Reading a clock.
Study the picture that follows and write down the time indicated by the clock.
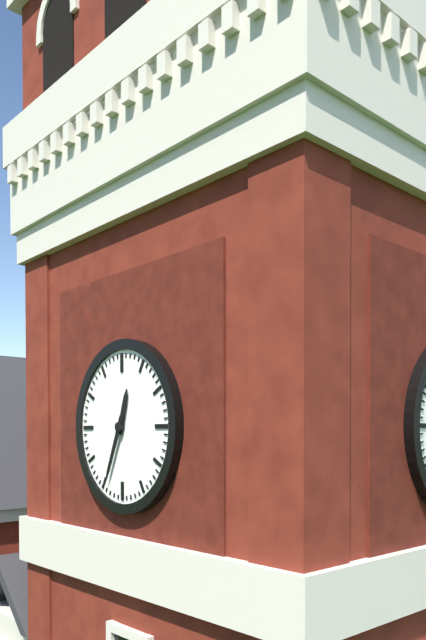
12:34
